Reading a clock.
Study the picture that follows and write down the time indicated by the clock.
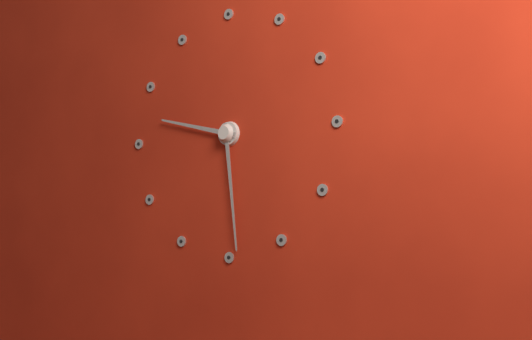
9:29
